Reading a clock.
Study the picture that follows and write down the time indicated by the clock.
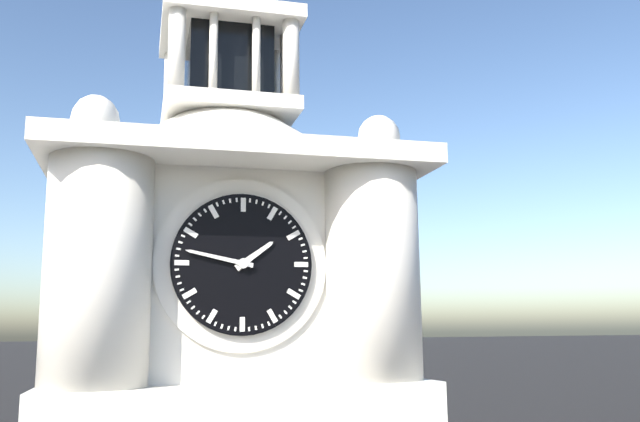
1:47
